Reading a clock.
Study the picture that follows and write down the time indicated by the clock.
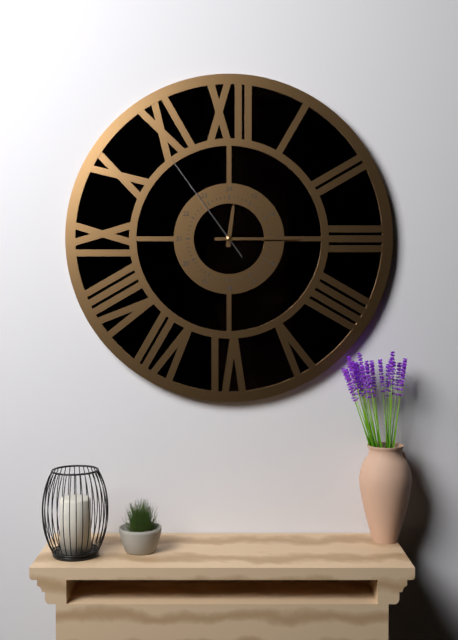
12:15:54
